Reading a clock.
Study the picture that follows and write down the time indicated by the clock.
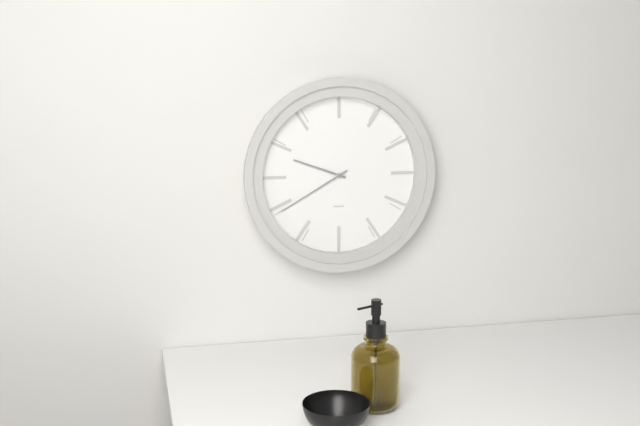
9:40
